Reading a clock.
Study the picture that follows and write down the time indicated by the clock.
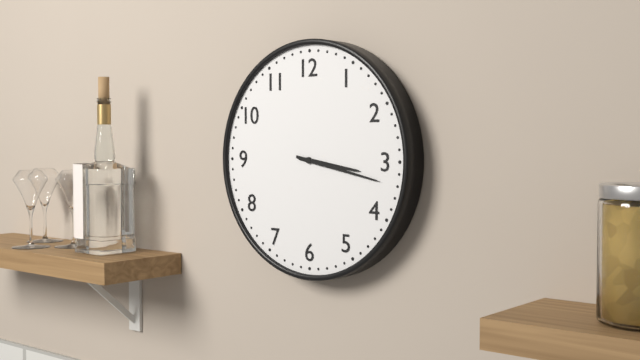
3:17
